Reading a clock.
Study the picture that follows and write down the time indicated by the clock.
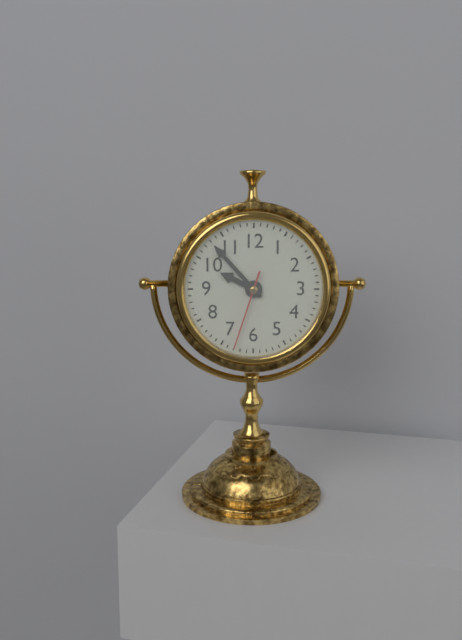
9:53:33
